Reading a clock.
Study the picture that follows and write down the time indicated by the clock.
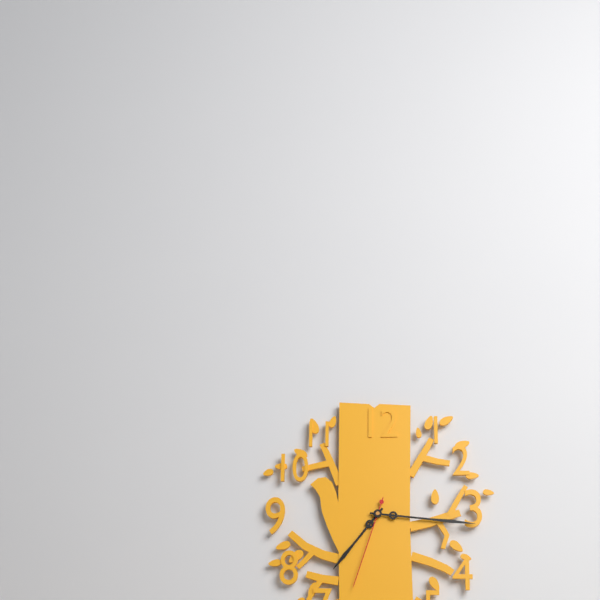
7:16:33
